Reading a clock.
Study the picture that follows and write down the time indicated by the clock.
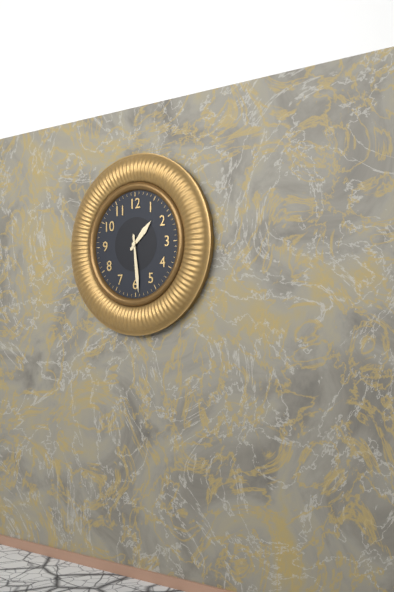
1:29
